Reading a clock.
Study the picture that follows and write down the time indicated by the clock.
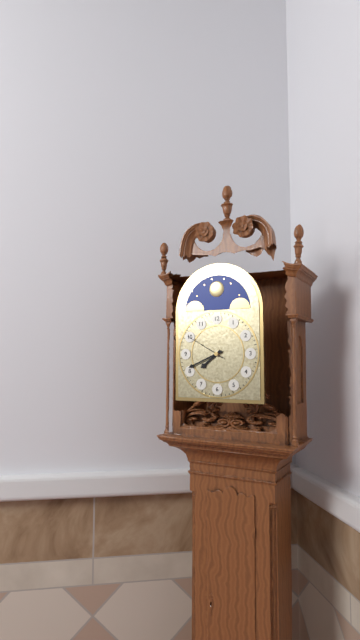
7:41
